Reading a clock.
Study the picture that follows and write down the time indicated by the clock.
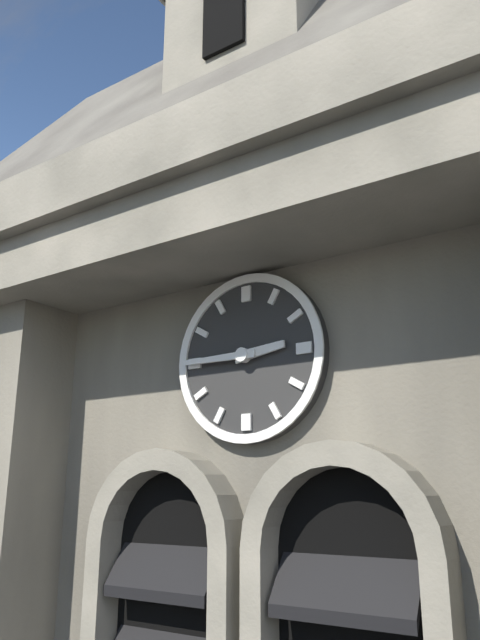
2:45
